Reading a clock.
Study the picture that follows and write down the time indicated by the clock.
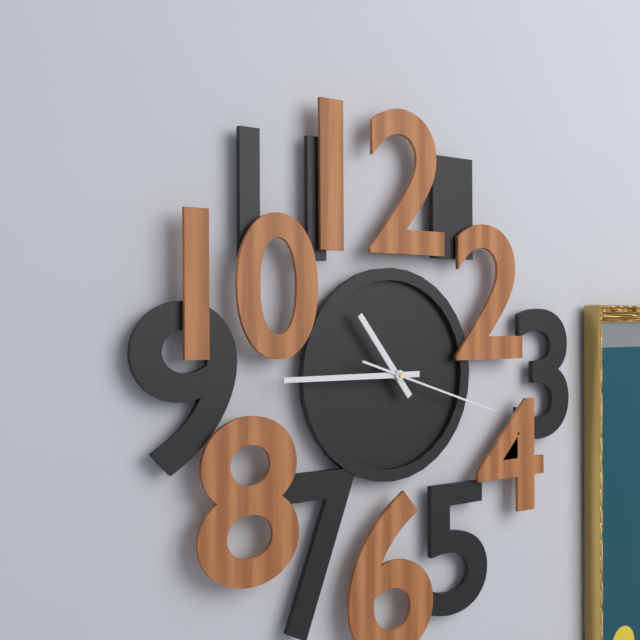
10:45:18
